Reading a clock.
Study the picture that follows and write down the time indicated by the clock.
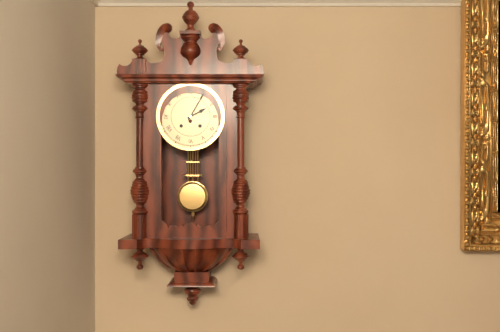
2:05
